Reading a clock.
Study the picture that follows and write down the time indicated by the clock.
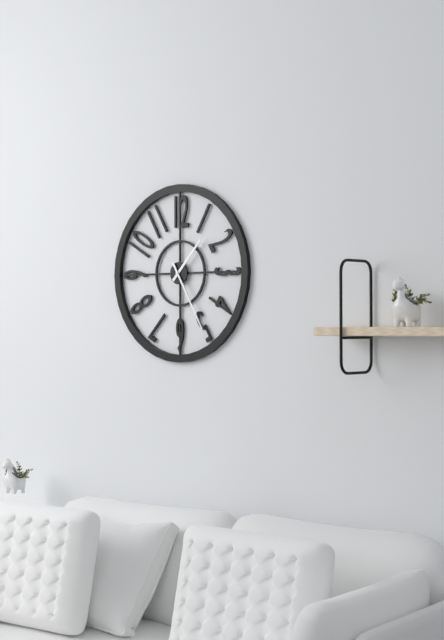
1:25
